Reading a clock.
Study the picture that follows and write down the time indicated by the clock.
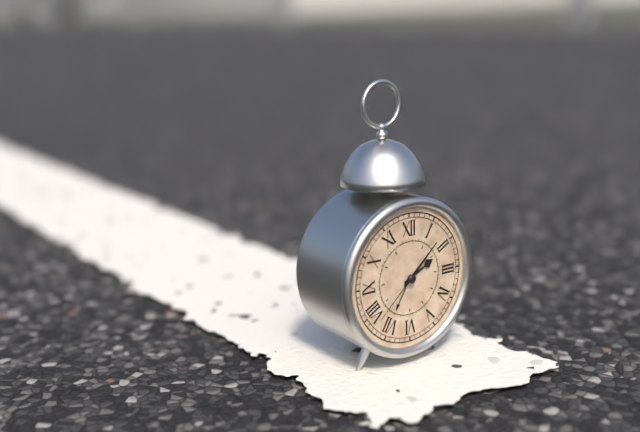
2:08:38
